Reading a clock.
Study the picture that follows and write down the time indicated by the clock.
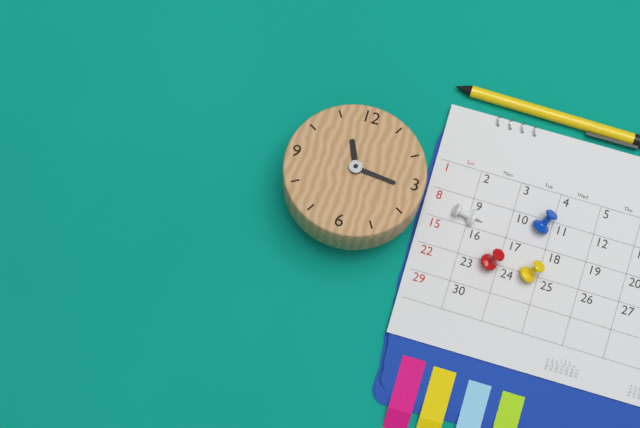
11:16
